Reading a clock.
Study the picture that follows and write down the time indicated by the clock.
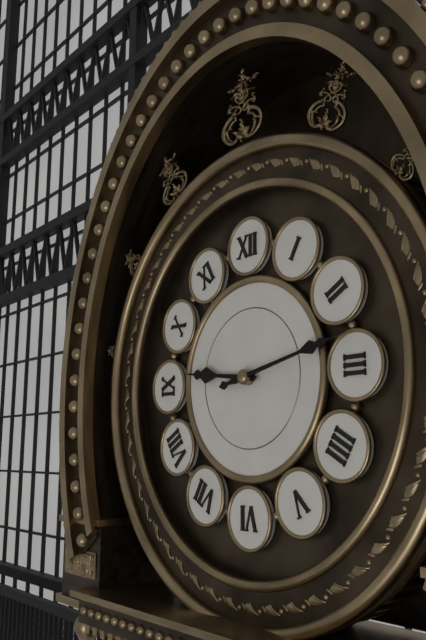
9:13
